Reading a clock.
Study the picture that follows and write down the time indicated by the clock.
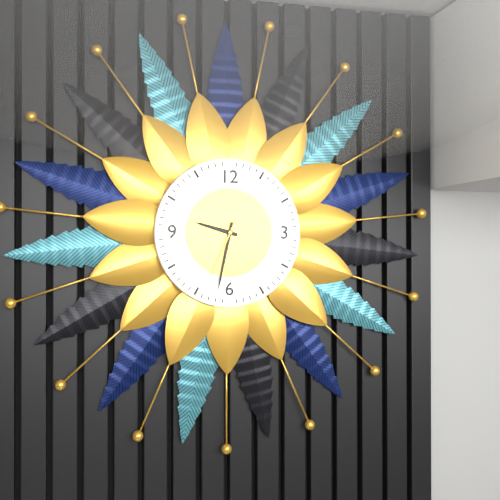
9:32:34
